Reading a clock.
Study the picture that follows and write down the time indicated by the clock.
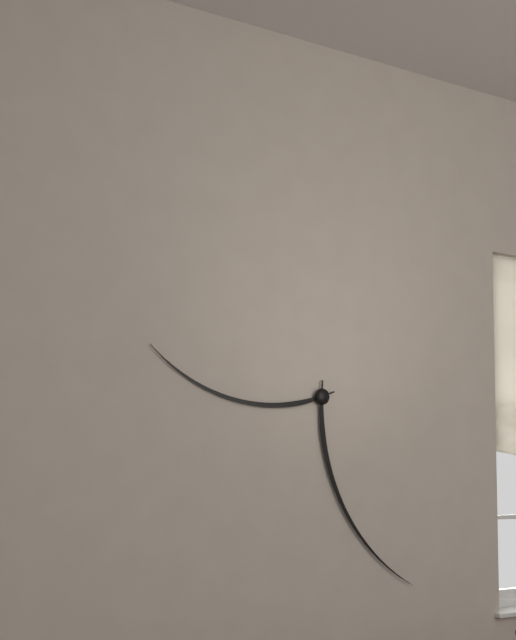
9:25
